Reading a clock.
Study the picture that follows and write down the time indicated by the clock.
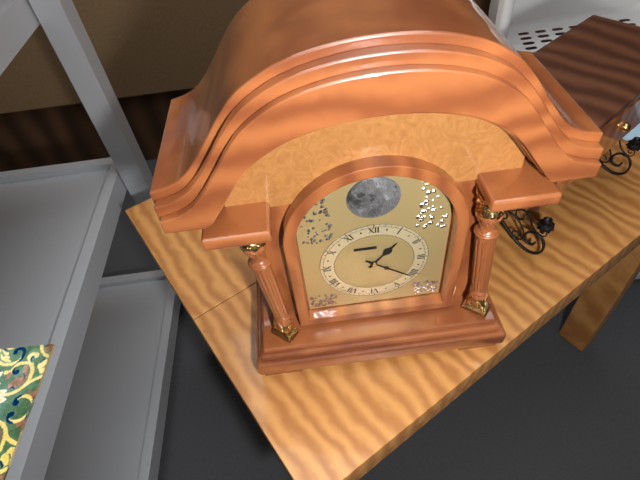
1:21
